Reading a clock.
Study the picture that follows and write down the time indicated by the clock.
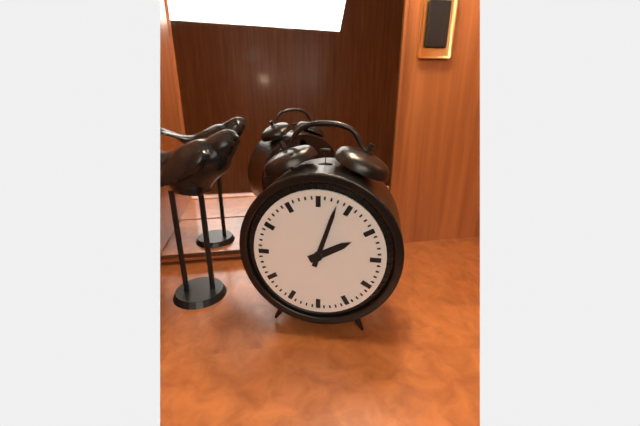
2:03
